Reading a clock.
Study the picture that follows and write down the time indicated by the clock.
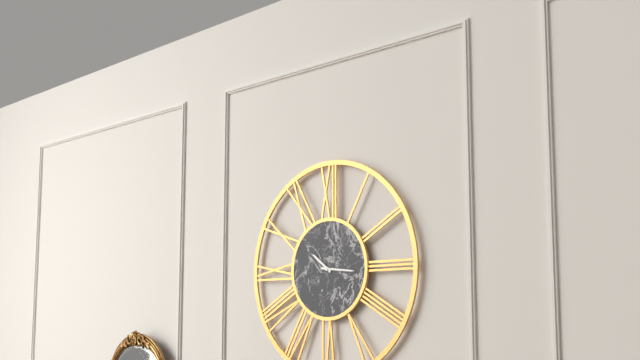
10:16
